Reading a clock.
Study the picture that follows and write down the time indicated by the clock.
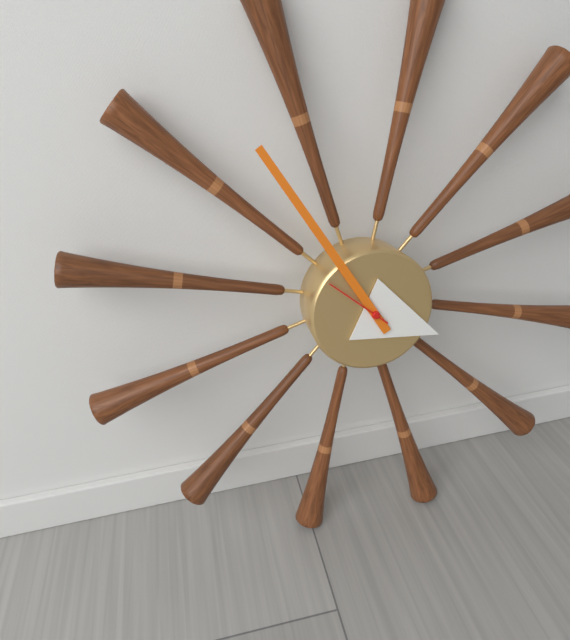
3:55
